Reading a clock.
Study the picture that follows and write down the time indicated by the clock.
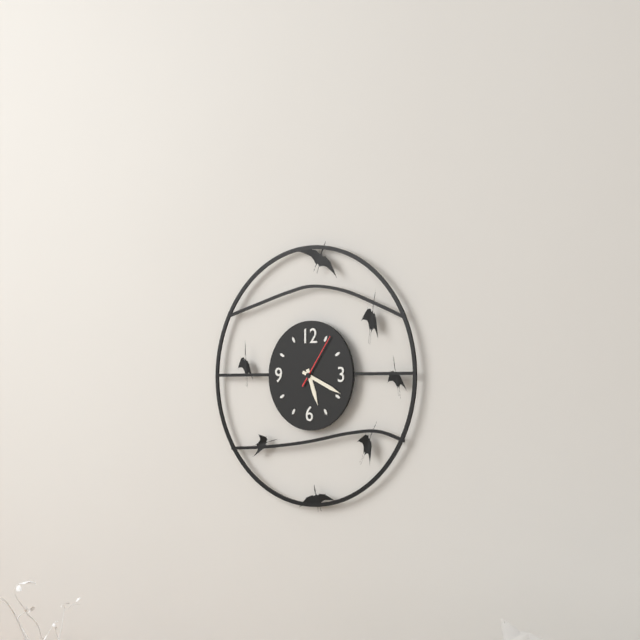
5:19:06
